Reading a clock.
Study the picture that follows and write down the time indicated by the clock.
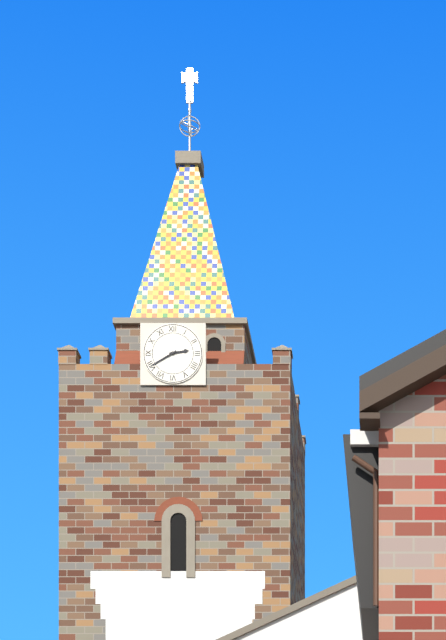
2:40
